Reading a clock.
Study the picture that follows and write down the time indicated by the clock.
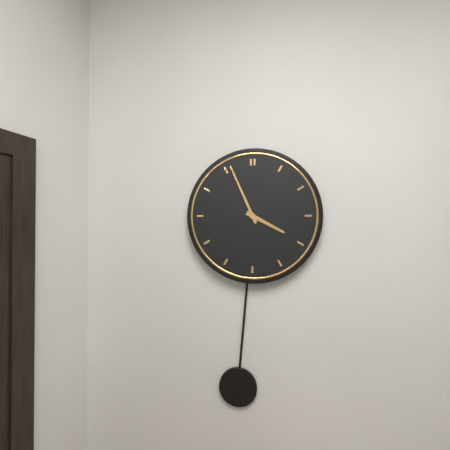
3:56
